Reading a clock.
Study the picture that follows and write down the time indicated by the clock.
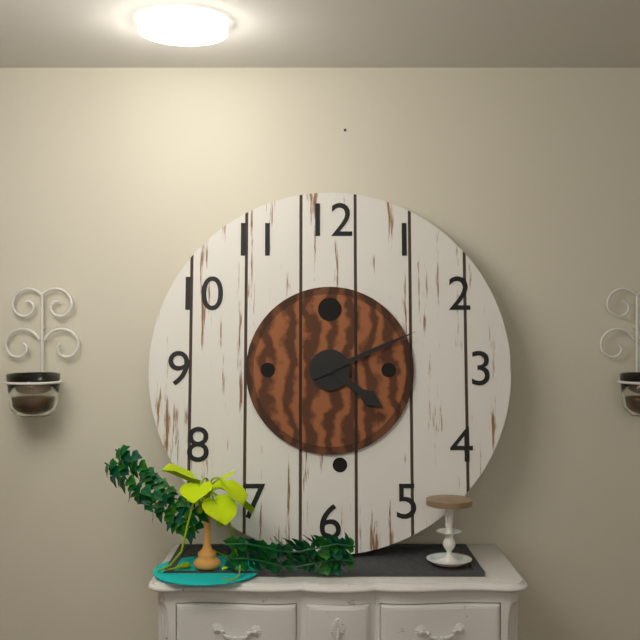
4:11
